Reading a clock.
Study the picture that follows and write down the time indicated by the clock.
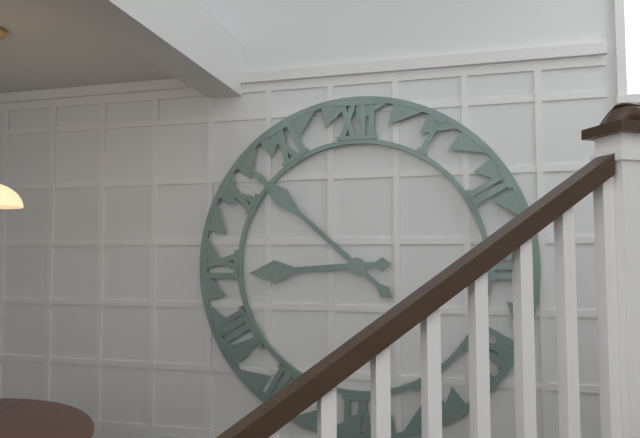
8:52
